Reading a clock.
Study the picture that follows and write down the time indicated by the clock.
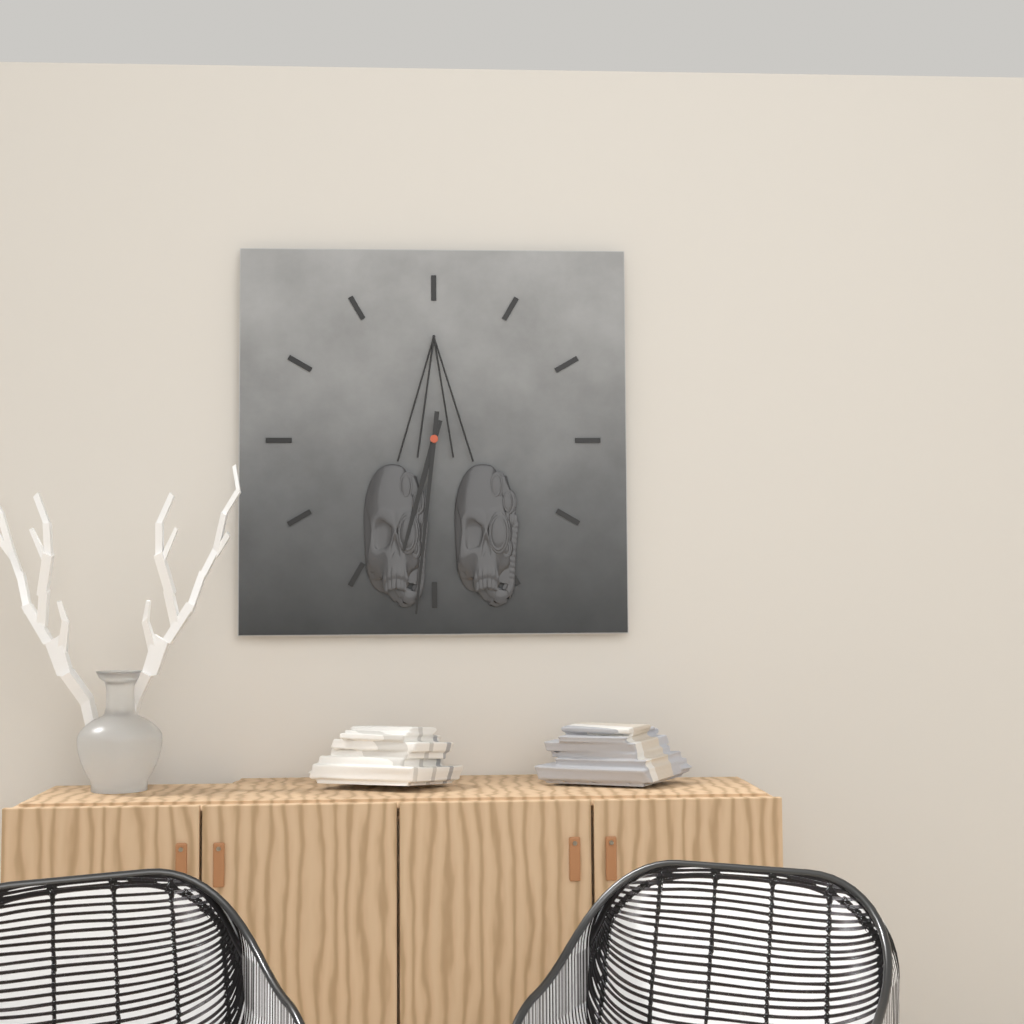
6:31
